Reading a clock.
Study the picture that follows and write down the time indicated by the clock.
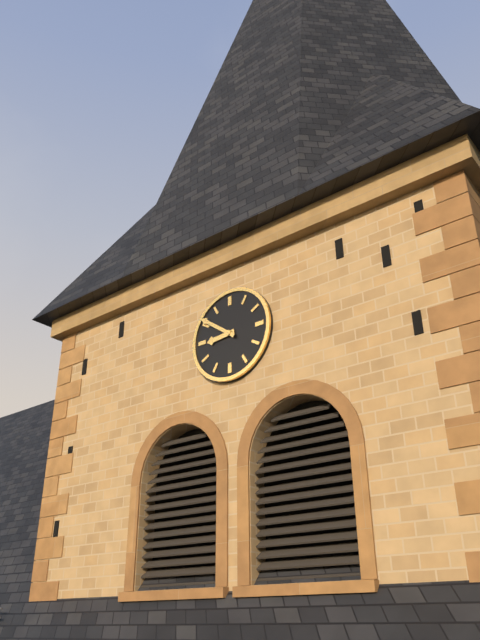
8:51
